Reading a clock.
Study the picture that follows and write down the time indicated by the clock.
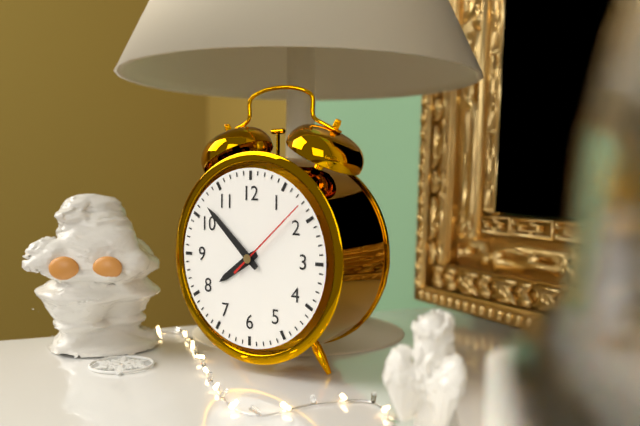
7:52:08
